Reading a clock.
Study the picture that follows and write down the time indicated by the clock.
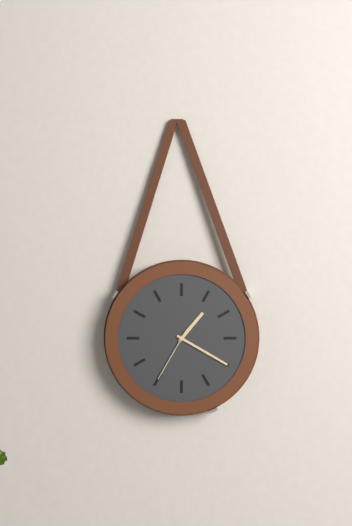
1:20:35
